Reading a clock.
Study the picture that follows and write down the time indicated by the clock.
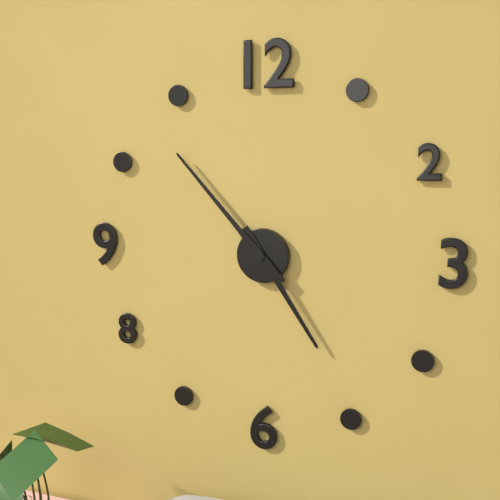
4:53
